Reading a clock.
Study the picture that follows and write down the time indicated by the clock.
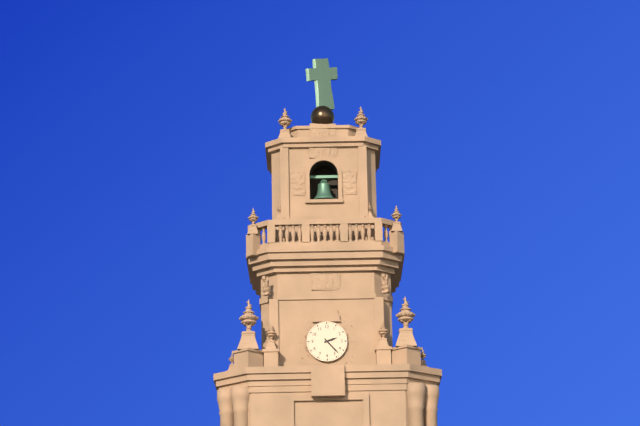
2:23
